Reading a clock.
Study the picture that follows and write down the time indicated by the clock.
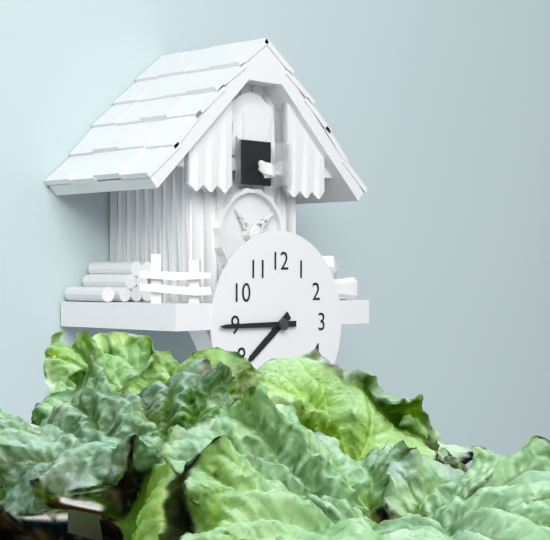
7:45
